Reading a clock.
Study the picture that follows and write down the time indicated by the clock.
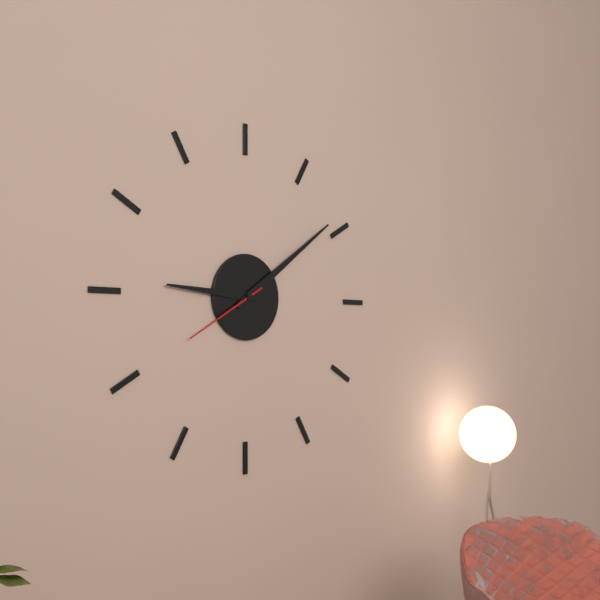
9:09:40
